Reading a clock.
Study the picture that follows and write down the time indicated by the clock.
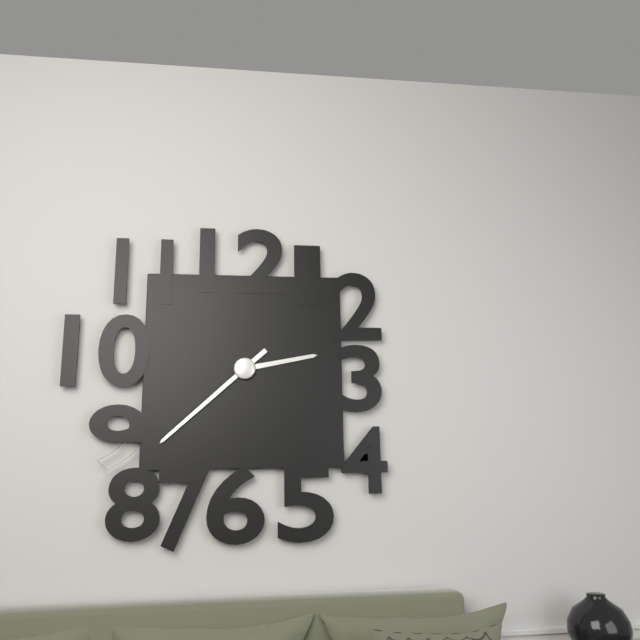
2:38
